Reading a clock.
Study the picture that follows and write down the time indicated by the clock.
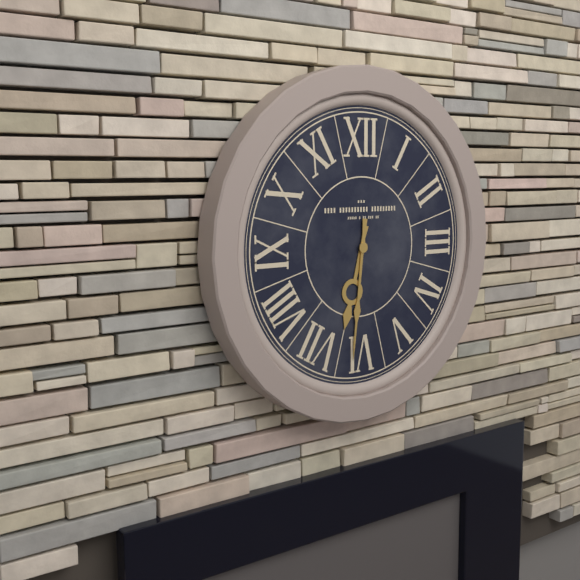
6:31
